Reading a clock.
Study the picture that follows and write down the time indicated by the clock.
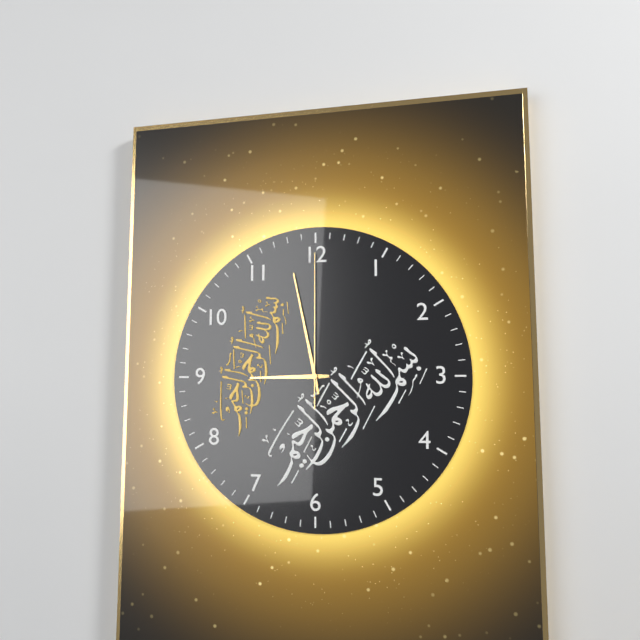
8:58:00
